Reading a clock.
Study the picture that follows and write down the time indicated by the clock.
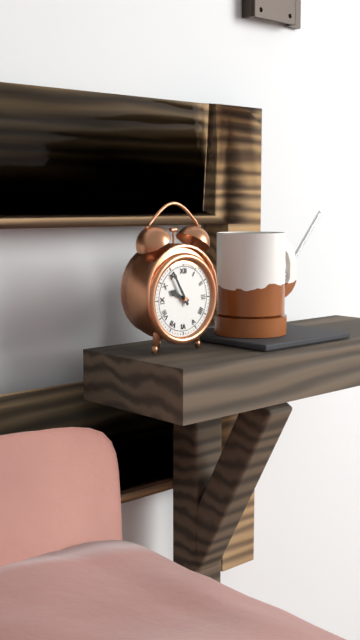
9:55
